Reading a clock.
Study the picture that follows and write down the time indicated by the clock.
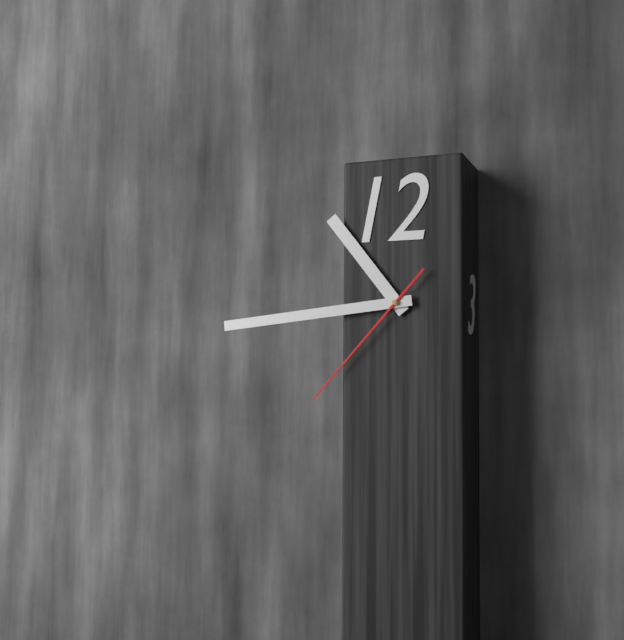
10:44:37
